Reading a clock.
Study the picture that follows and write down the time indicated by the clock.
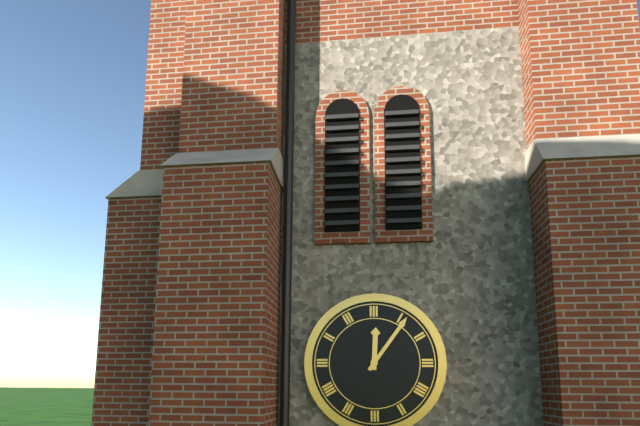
12:06
